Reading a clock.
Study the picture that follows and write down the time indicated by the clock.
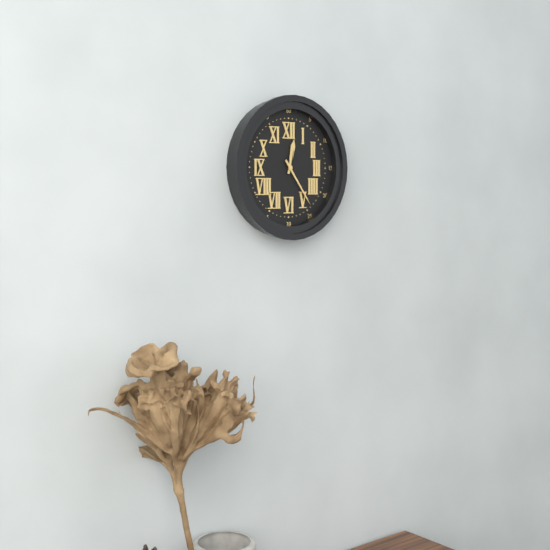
12:24
